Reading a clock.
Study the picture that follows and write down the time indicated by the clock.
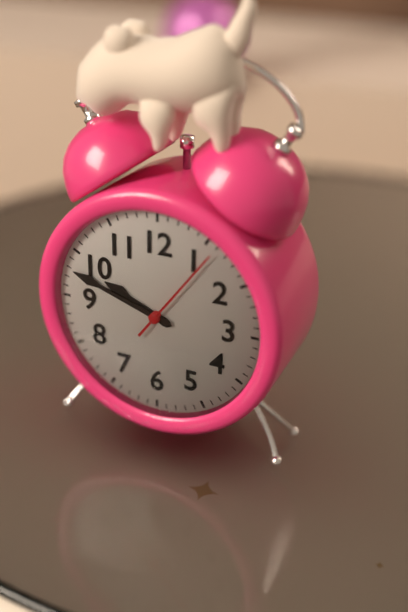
9:48:06
